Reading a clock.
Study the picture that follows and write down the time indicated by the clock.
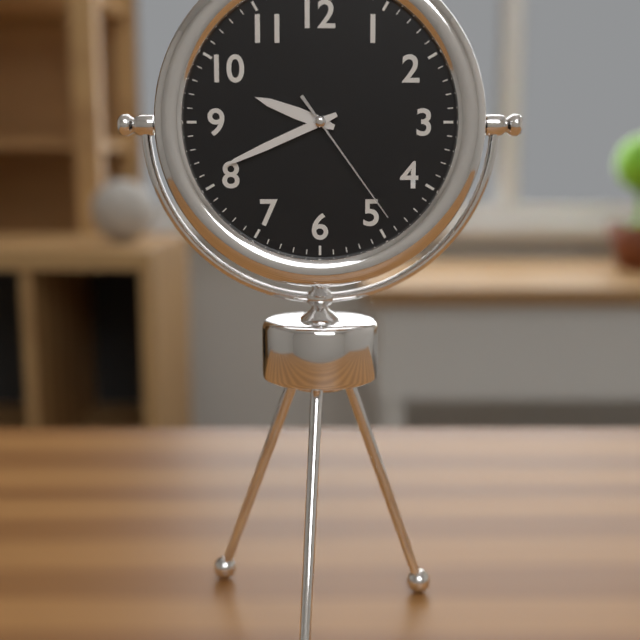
9:41:24
